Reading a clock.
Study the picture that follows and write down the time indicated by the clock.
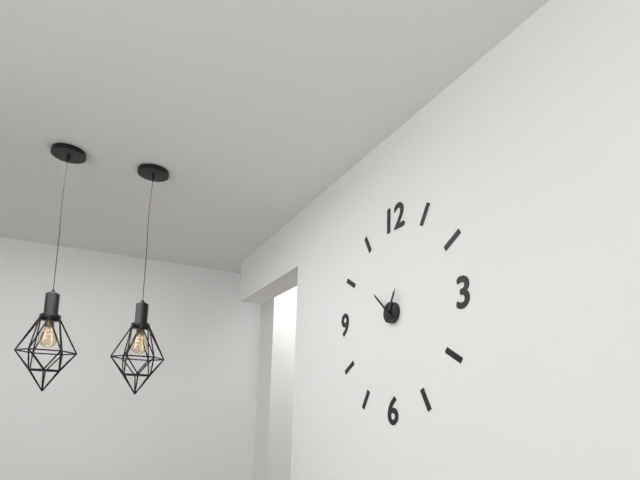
12:52
